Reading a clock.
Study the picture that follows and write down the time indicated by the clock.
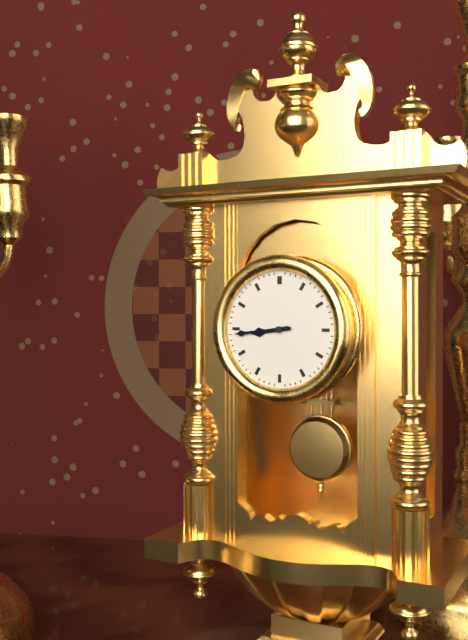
8:44
